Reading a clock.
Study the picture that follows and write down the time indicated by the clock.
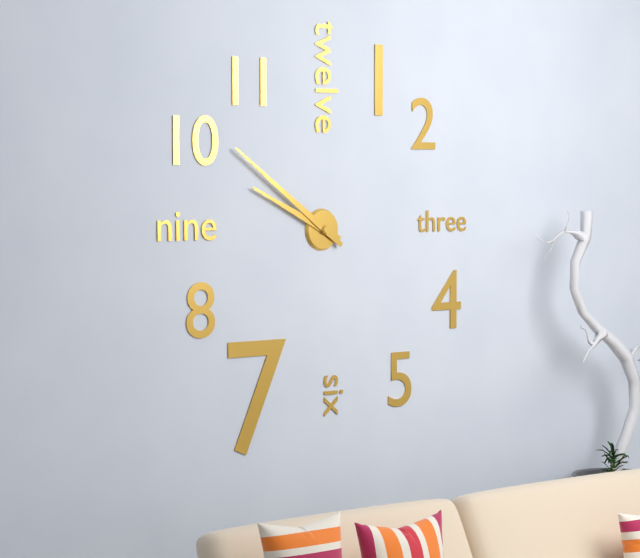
9:51
